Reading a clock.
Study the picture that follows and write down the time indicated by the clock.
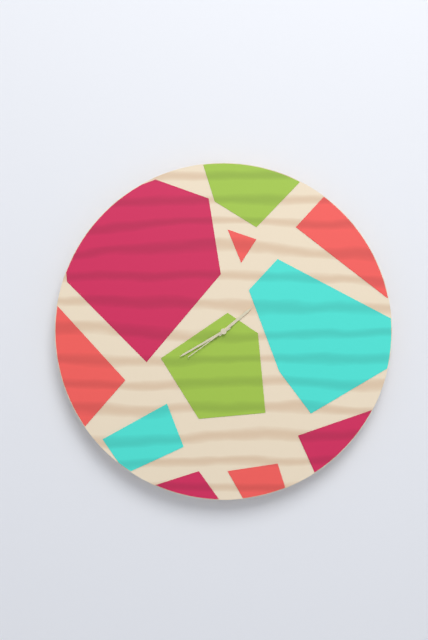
1:40:39
